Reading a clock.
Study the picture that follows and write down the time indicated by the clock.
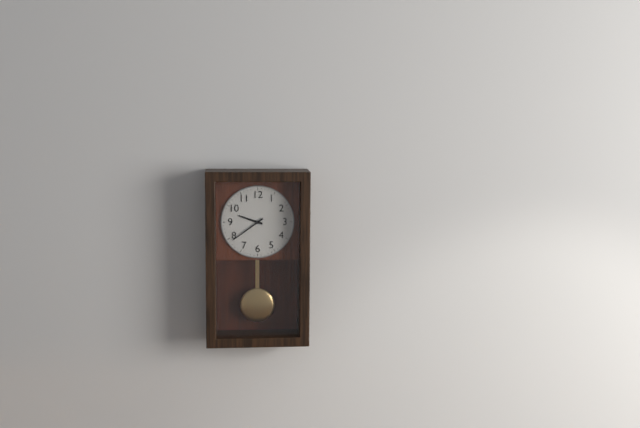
9:39
